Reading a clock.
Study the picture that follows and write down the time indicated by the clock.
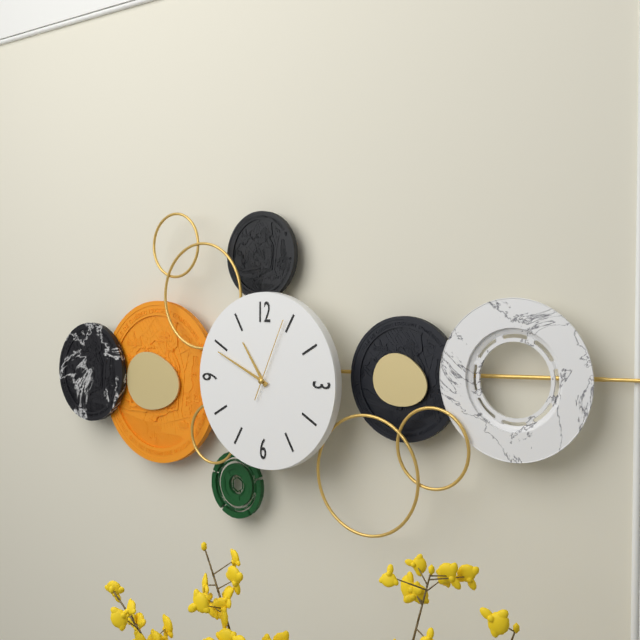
10:49:04
